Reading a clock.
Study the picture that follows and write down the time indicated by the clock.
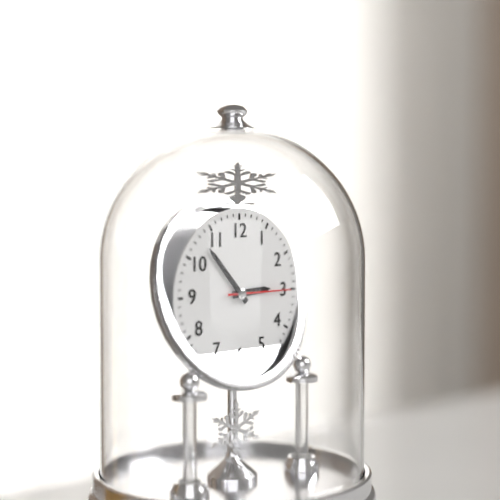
2:53:15
